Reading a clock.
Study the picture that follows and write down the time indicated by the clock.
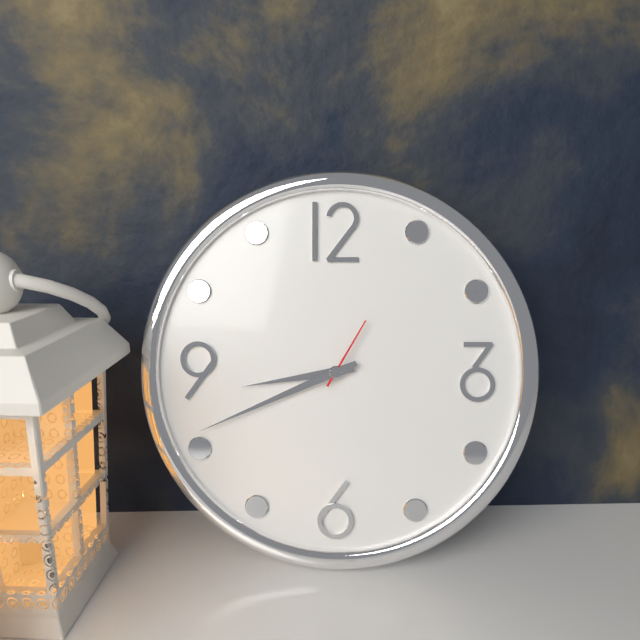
8:41:05
